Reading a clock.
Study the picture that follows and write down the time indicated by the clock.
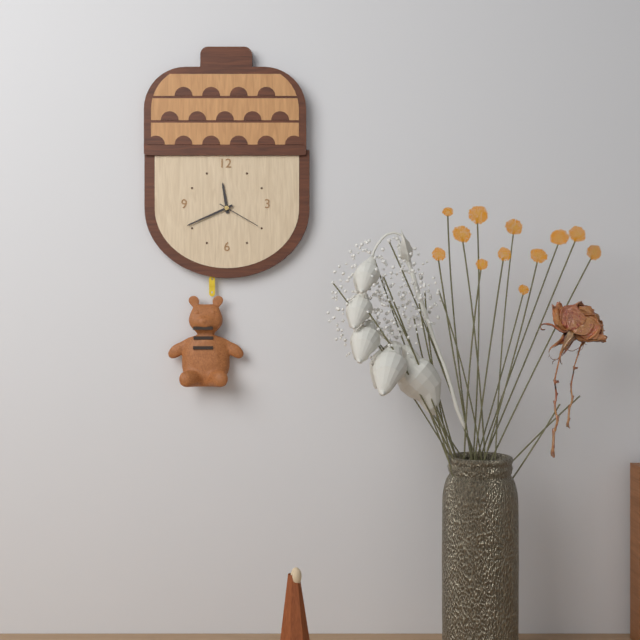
11:41
